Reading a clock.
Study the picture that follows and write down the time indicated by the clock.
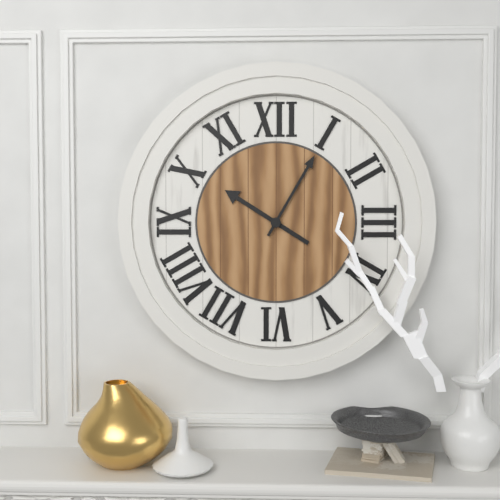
10:05
